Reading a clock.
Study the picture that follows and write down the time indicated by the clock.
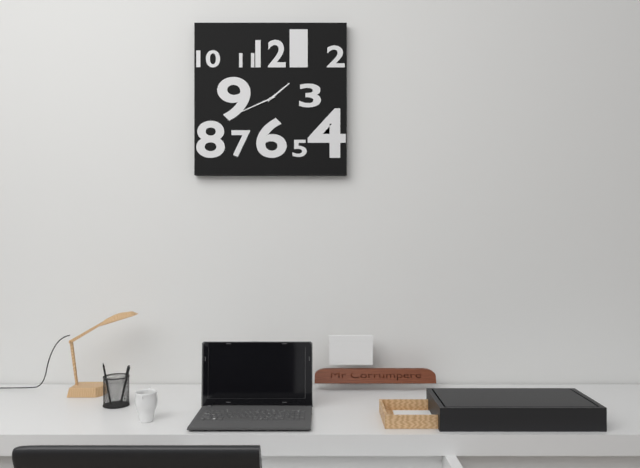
1:41
